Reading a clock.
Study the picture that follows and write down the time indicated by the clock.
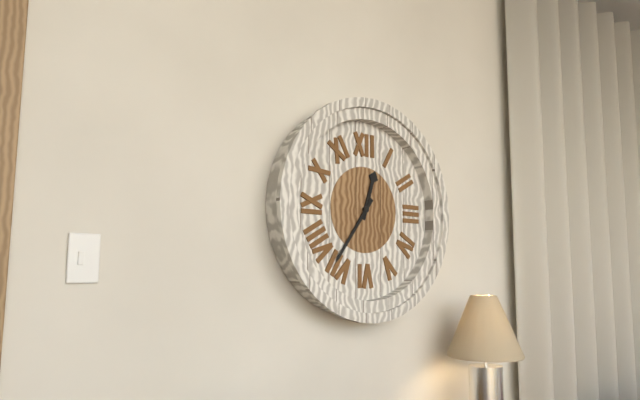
12:36
